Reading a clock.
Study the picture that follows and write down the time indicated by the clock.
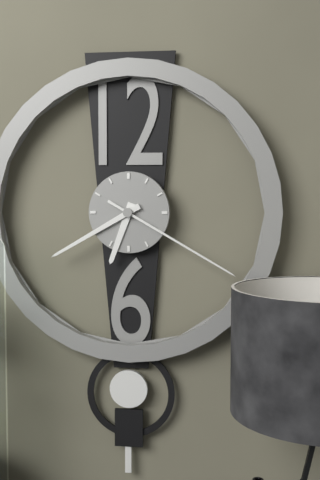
6:40:20
